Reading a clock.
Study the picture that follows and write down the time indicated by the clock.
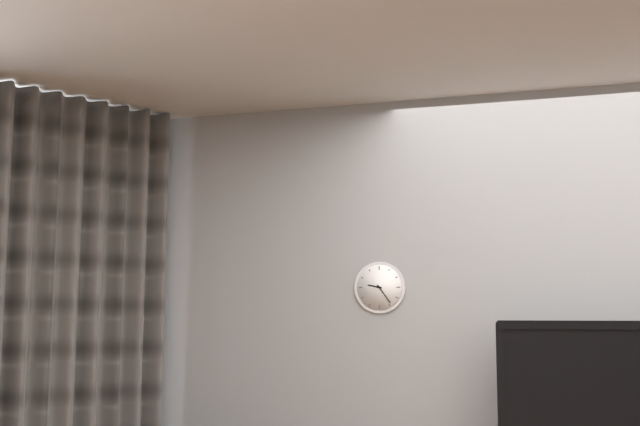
9:24
